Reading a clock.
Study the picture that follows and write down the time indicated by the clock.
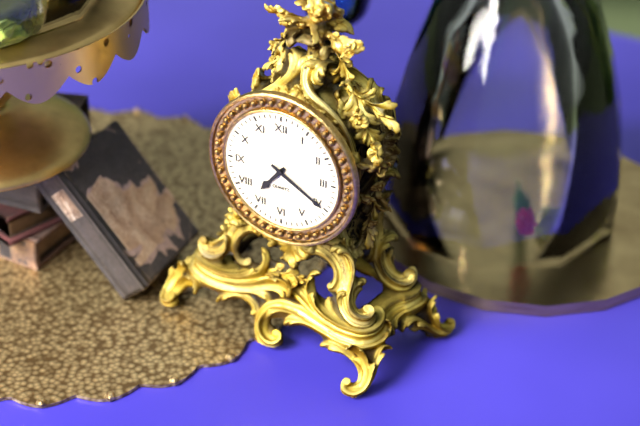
7:20
